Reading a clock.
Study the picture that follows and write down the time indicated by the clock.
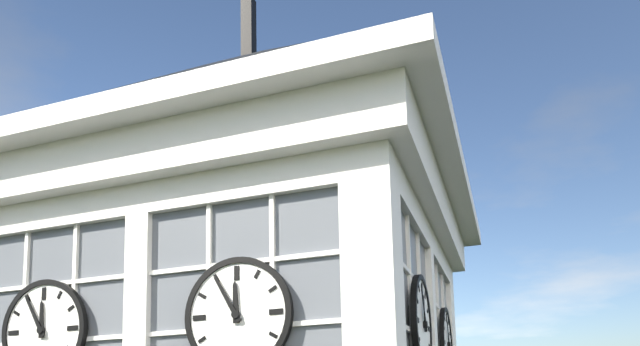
11:55
